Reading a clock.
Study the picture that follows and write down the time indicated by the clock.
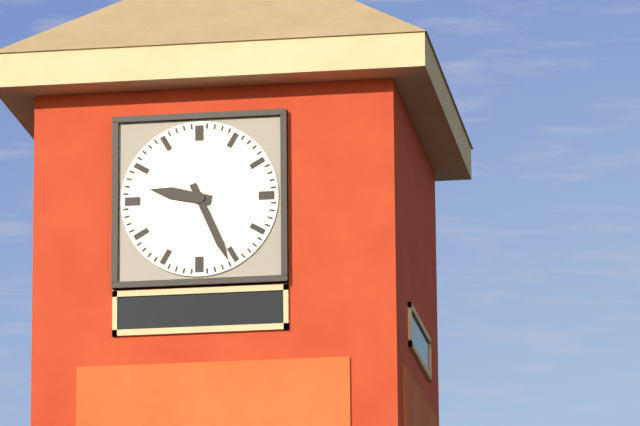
9:26
